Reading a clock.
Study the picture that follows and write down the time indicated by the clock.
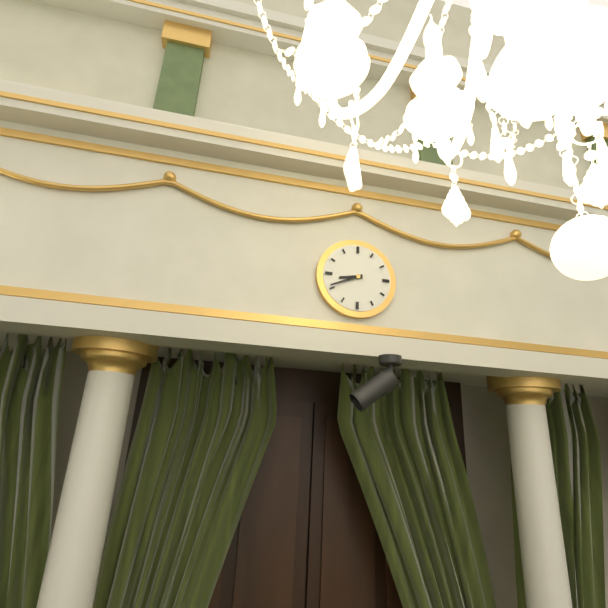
8:41
